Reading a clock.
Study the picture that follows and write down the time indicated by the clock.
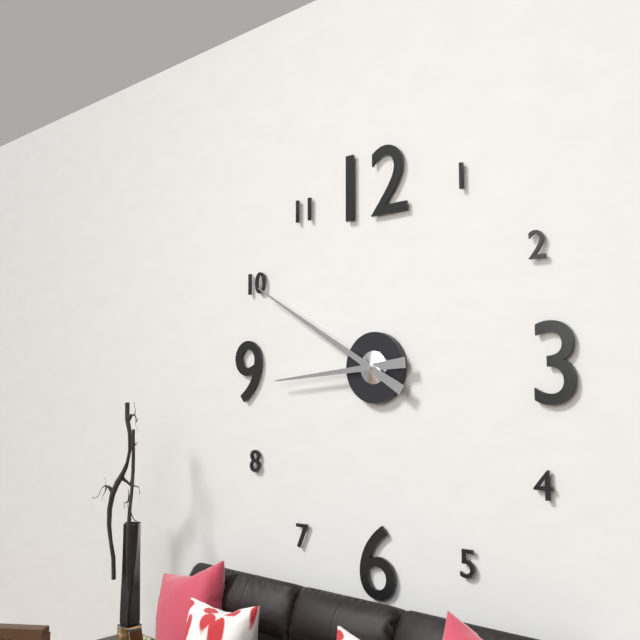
8:50
